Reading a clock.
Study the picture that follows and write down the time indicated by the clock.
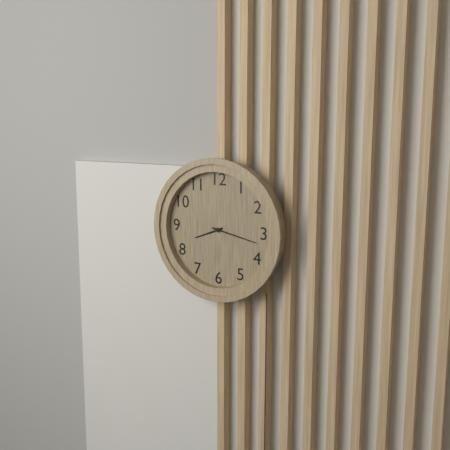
8:17
